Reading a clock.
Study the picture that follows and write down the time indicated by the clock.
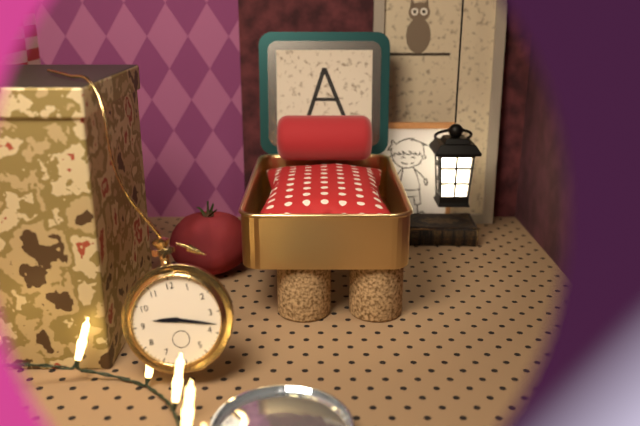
9:18
